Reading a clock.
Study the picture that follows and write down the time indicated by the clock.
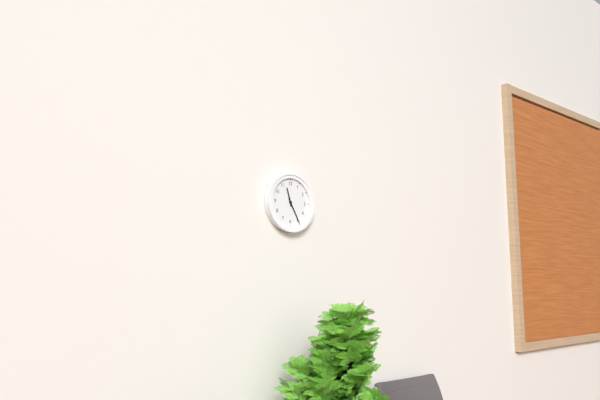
11:25
